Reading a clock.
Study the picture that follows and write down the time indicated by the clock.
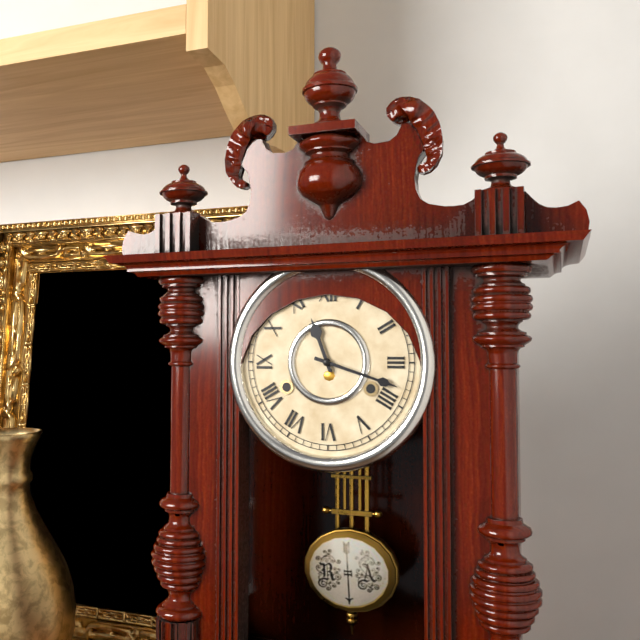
11:18
